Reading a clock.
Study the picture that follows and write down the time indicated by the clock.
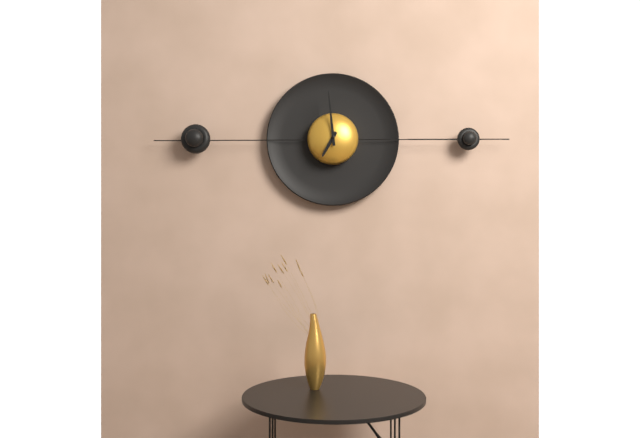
6:59
